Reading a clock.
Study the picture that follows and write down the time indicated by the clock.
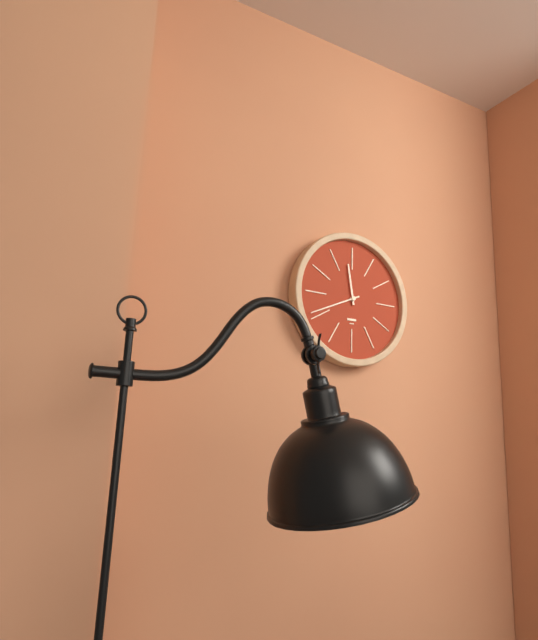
11:41
